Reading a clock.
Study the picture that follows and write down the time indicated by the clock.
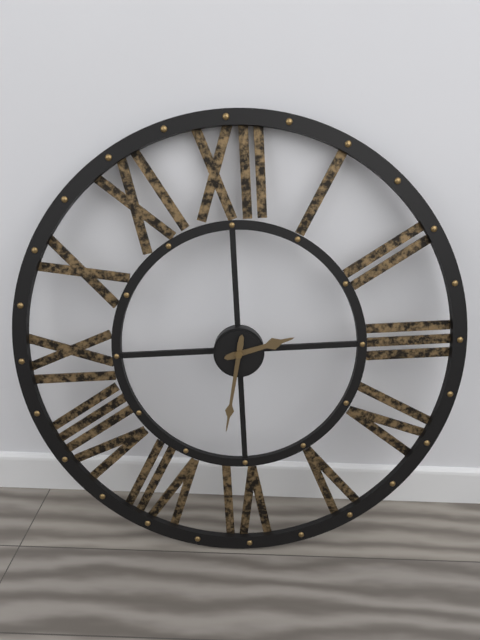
2:32
